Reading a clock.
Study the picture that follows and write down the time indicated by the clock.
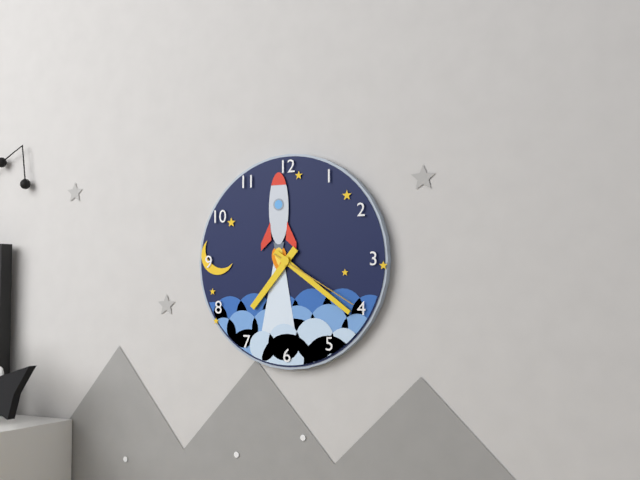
7:21:20
